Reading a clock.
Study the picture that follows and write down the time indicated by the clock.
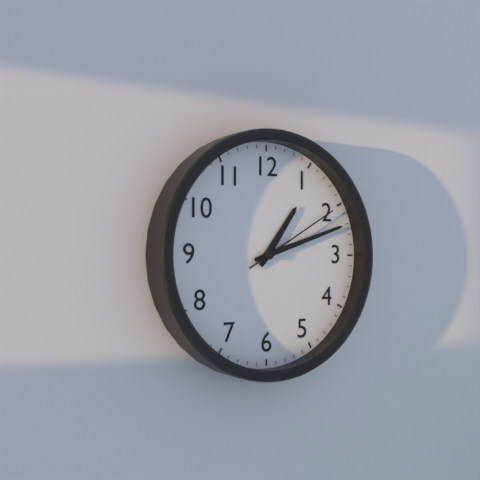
1:12:10
